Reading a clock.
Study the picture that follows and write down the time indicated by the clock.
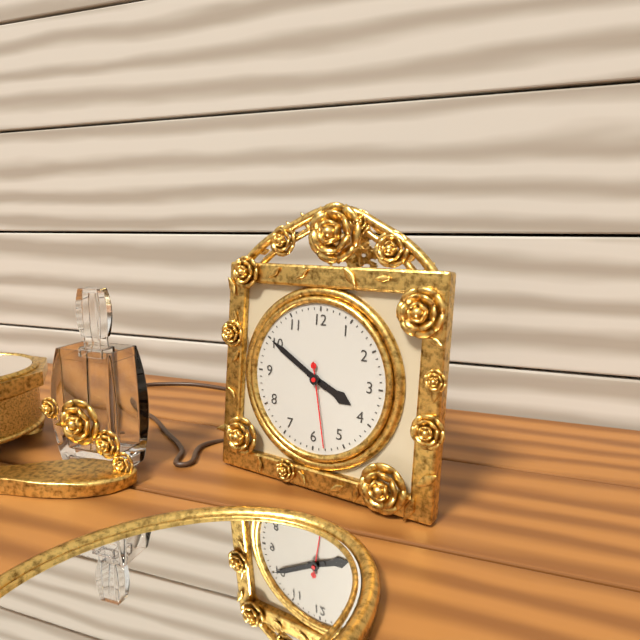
3:50:28
